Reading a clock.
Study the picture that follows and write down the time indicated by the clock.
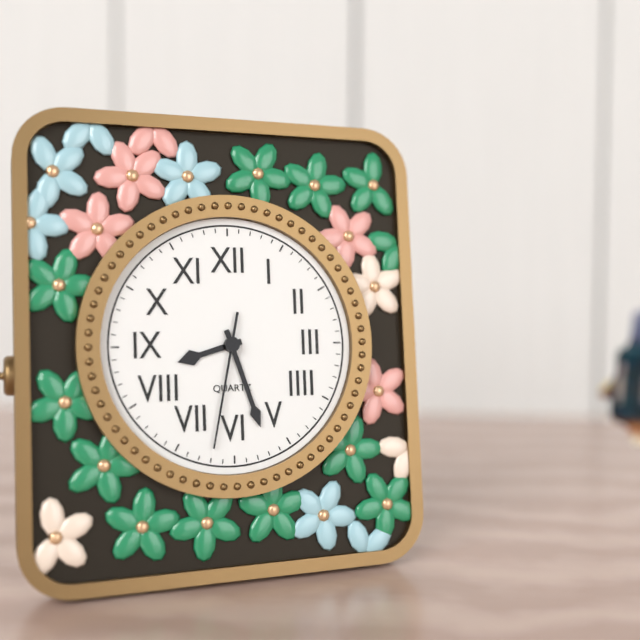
8:27:32
